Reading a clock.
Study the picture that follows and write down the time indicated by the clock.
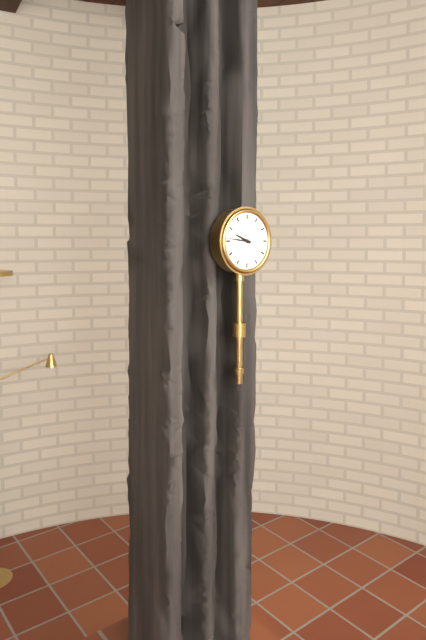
9:46
